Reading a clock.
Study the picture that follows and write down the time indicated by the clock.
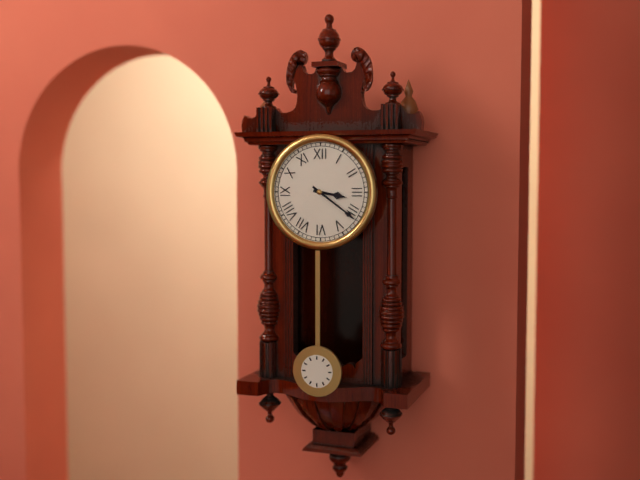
3:21
